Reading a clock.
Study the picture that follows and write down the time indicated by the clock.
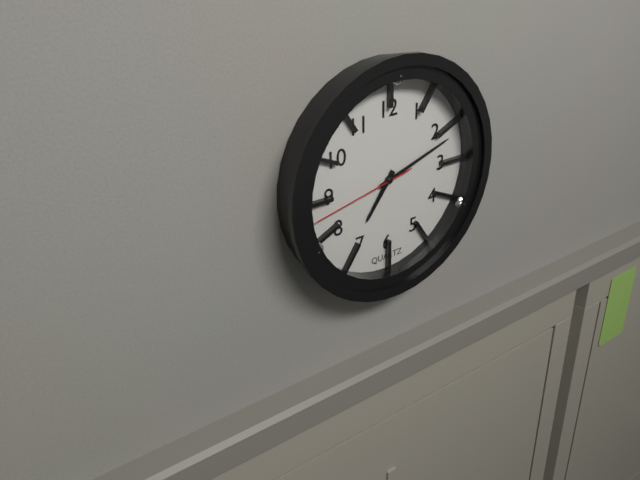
7:12:43
